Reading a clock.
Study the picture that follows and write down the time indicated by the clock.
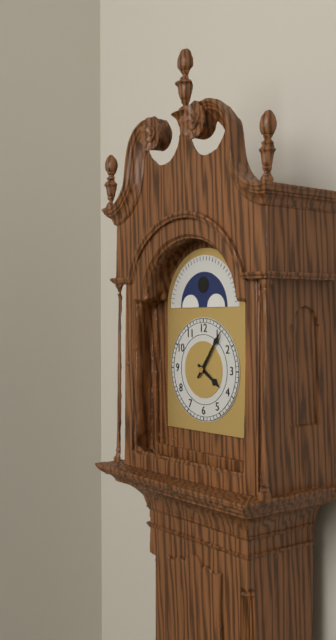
4:06
